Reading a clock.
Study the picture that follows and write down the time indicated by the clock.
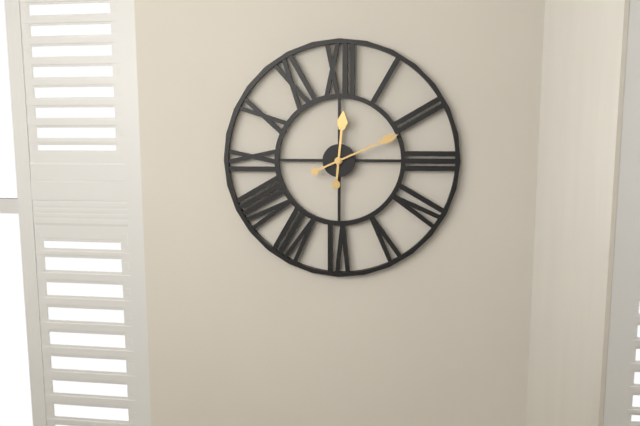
12:11
